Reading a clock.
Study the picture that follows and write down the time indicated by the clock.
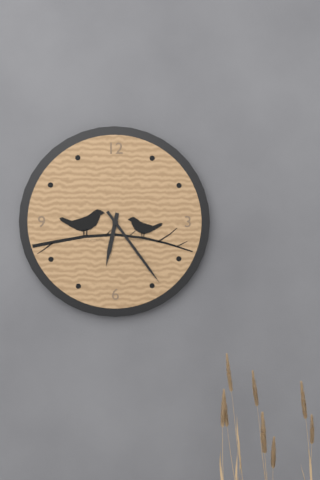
6:24
